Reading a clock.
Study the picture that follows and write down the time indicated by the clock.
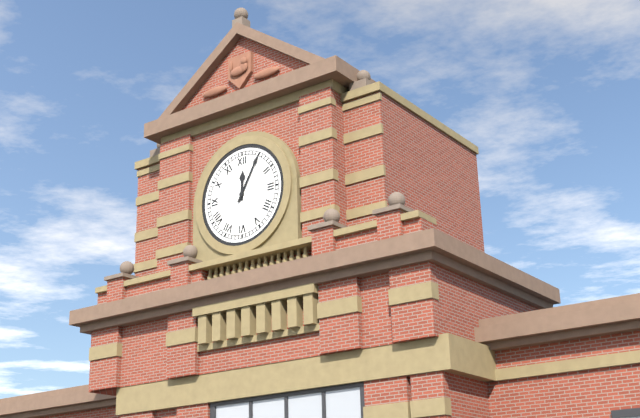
12:05
